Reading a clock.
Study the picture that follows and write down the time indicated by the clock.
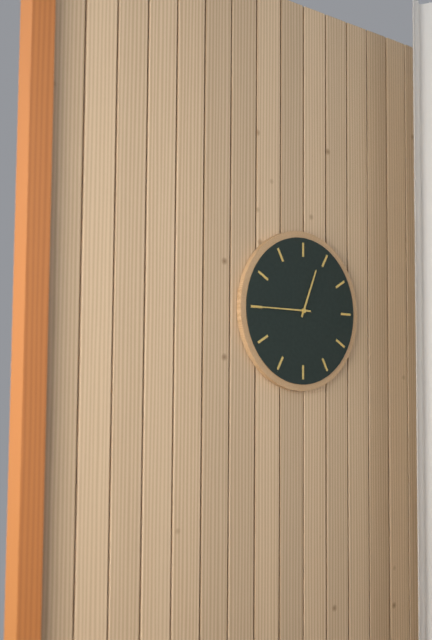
12:45
